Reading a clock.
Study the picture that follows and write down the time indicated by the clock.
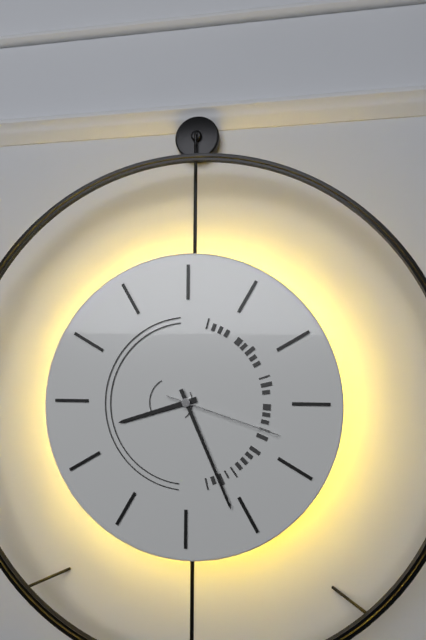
8:26:18
